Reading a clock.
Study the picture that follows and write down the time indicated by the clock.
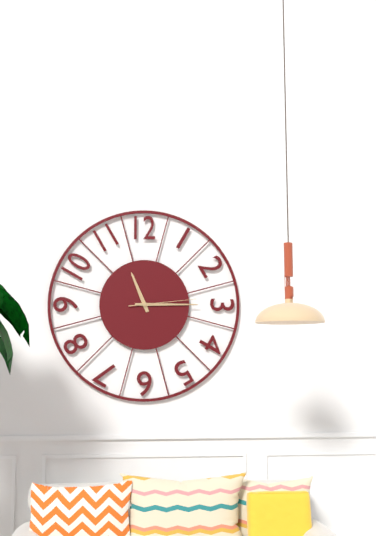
11:15:14
